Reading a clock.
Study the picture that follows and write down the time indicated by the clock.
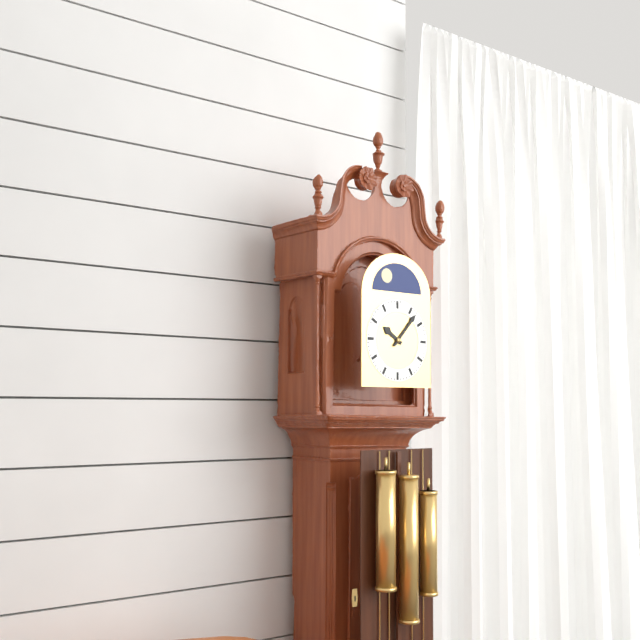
10:07
